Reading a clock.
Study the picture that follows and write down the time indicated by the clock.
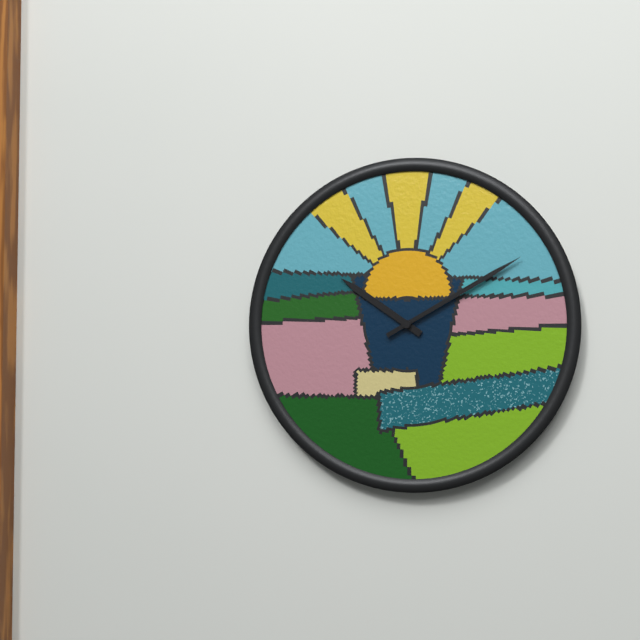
10:10
